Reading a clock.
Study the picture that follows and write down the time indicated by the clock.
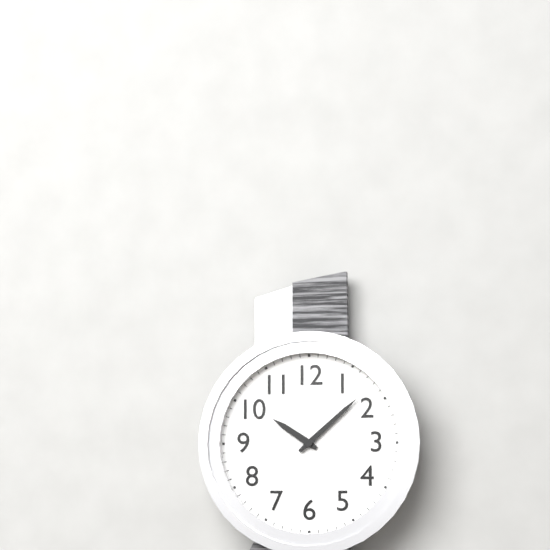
10:08
